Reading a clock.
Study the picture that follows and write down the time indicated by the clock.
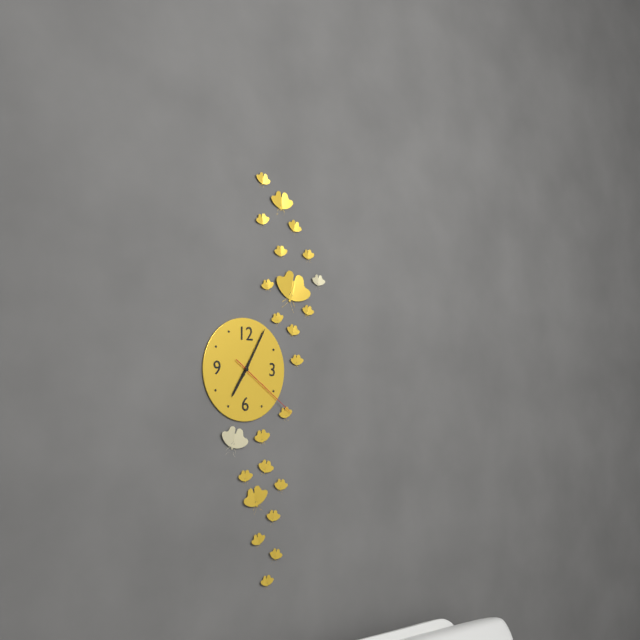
7:05:21
